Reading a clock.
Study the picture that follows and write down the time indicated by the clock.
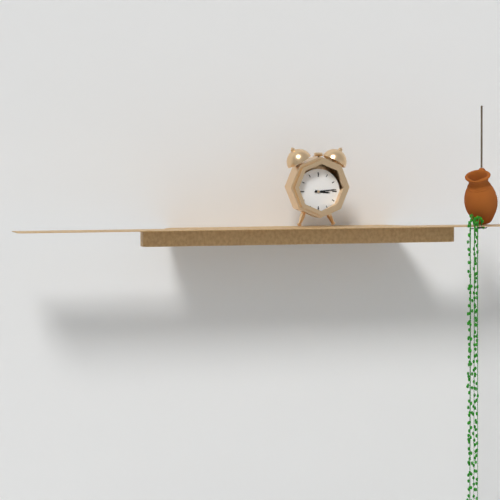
3:14
